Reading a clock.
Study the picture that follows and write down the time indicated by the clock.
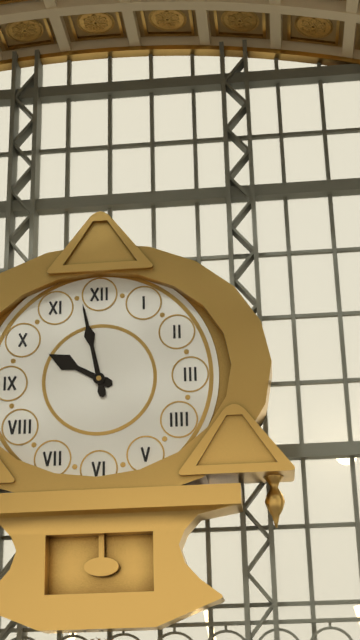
9:58
